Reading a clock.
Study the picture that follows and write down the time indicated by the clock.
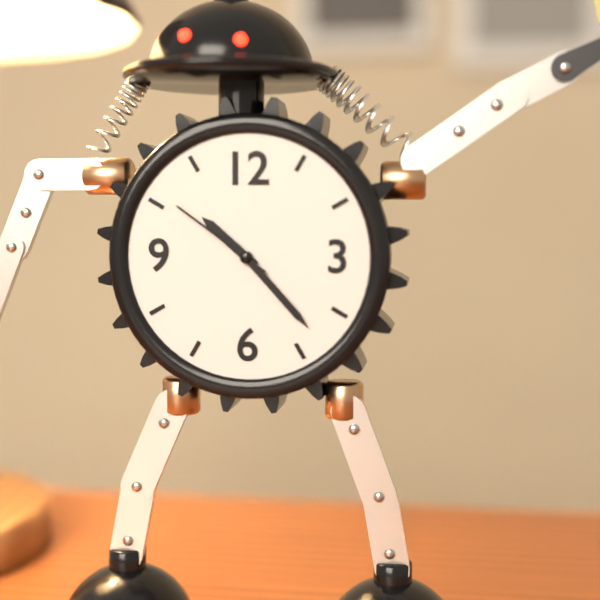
10:23:51
